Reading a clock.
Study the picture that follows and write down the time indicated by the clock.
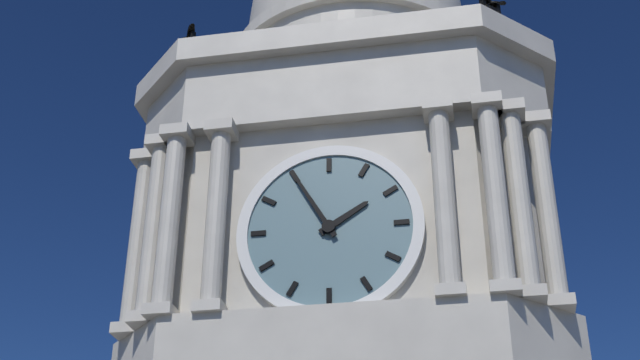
1:55
